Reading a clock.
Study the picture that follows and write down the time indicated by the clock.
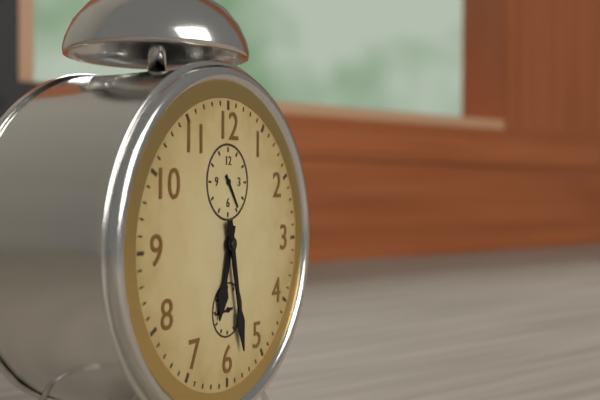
6:28
